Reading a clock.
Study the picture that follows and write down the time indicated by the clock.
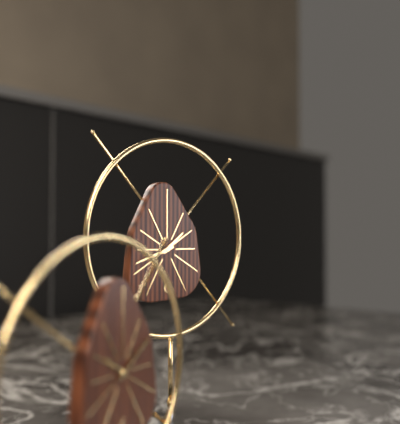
1:42
